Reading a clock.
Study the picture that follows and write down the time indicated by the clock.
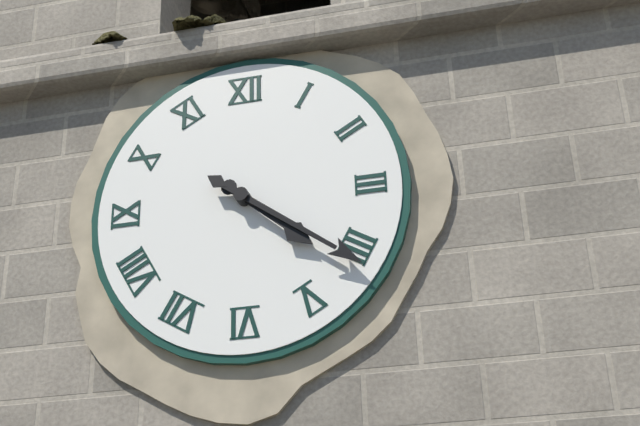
4:21
